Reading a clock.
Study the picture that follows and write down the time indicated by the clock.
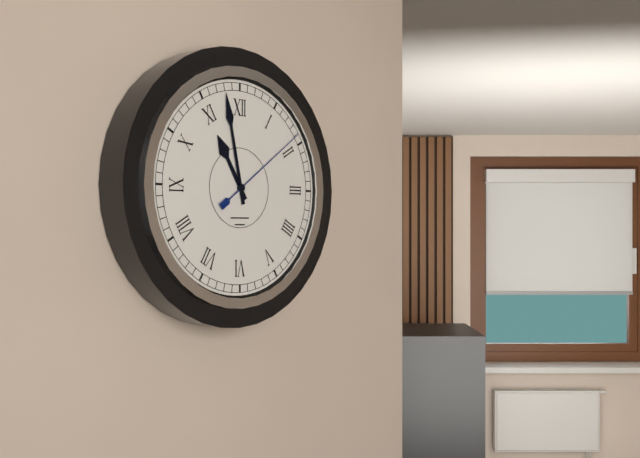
10:58:09
